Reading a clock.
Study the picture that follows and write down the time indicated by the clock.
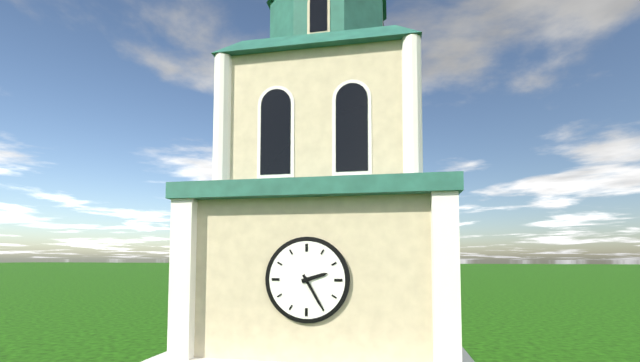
2:25
